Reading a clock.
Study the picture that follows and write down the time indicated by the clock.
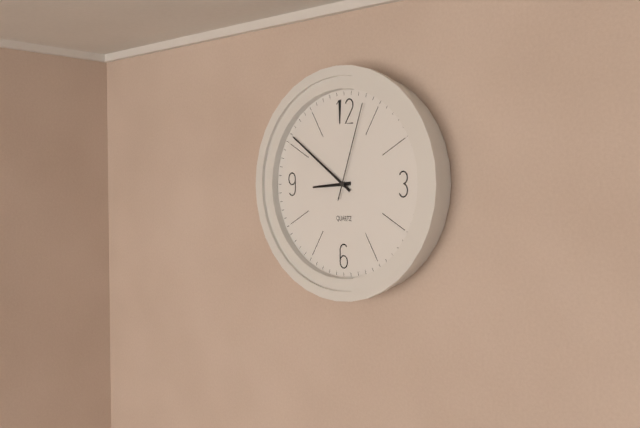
8:51:03
